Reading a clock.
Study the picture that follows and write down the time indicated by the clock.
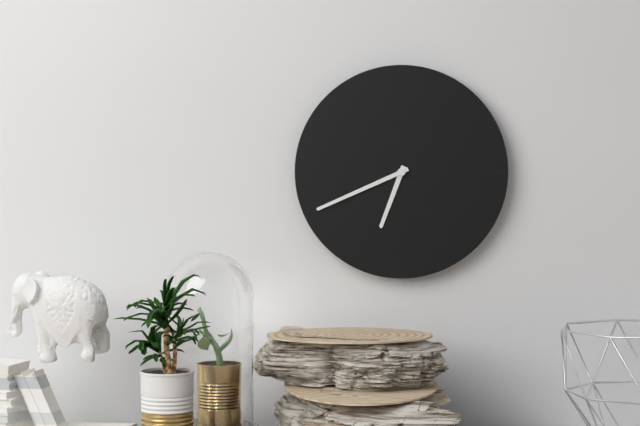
6:41
